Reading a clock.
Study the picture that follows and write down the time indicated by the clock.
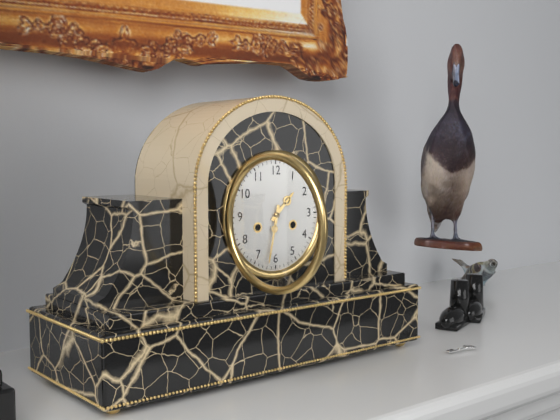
1:32
